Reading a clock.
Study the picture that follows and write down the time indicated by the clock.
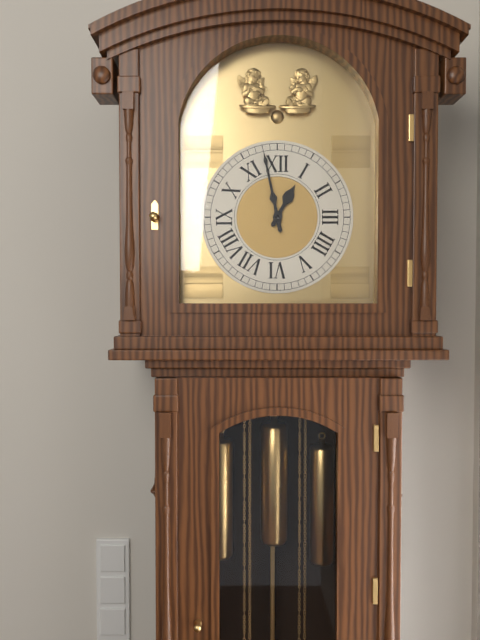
12:58
